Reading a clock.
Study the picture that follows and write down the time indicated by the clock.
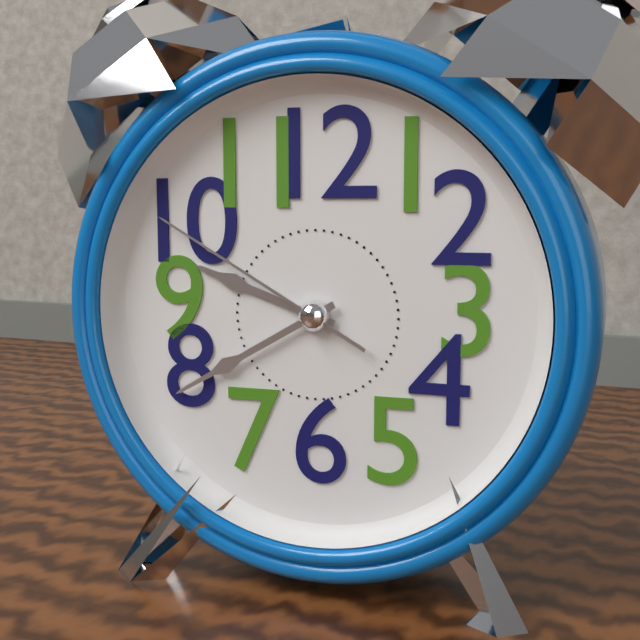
9:40:50
